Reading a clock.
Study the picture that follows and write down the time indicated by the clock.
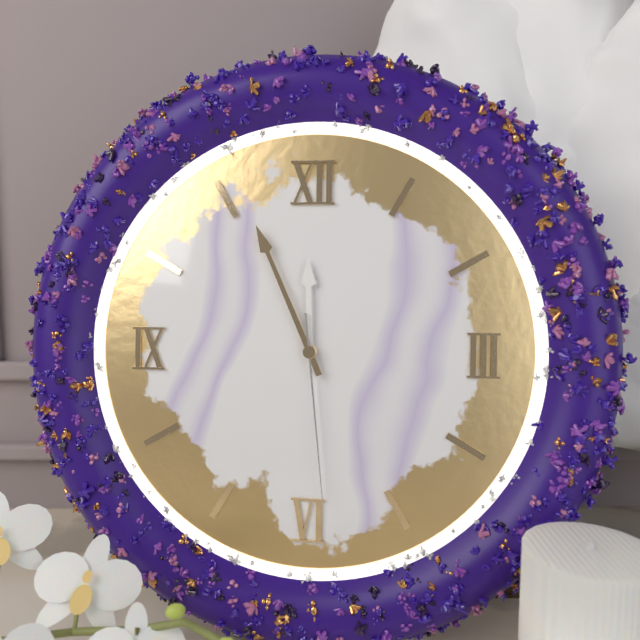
11:56:29
